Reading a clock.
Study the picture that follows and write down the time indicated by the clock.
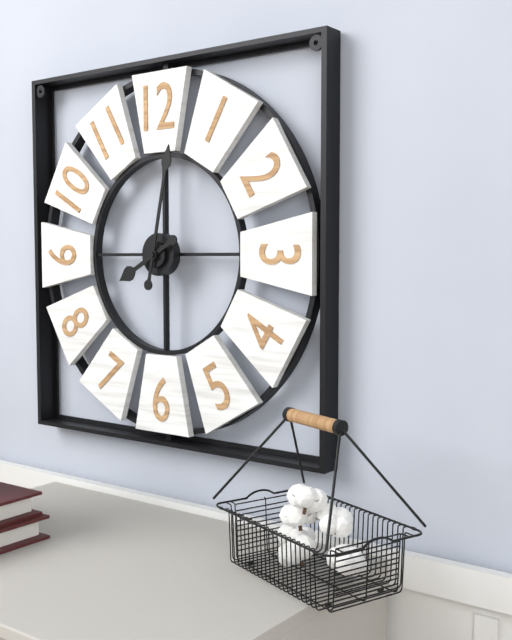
8:02
